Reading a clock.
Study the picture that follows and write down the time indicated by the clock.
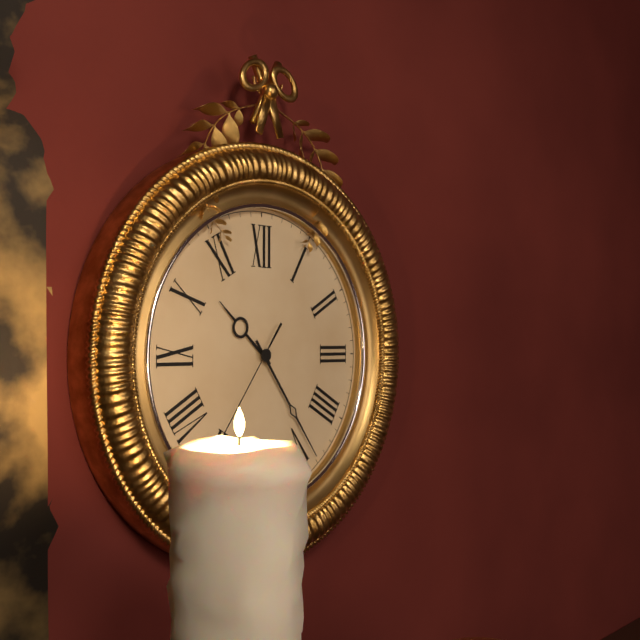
10:24:36
